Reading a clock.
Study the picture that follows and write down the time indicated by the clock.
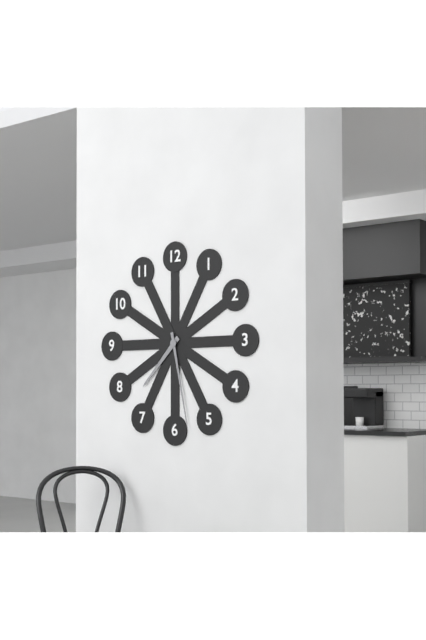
7:28
